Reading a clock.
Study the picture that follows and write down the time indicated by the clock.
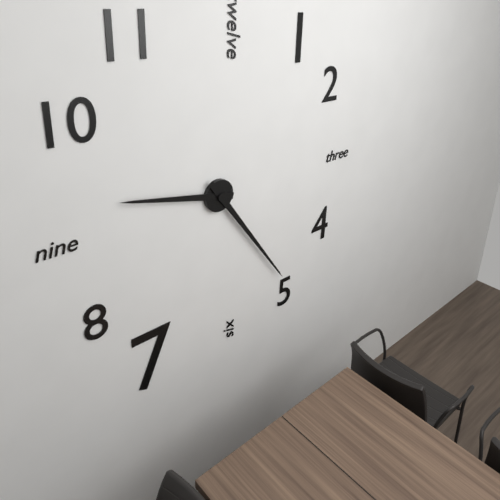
9:24
